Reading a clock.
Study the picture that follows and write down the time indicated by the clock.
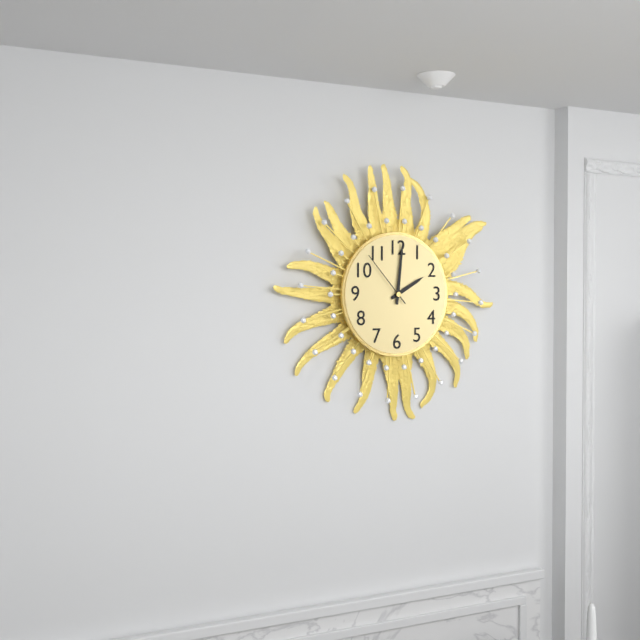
2:01:53
